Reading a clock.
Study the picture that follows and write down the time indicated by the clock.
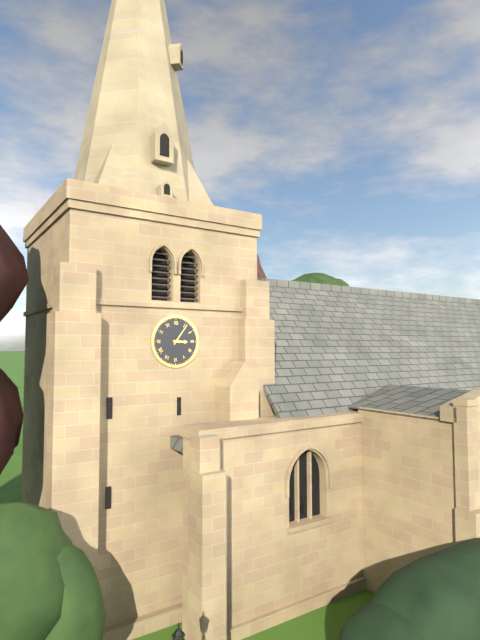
3:06
